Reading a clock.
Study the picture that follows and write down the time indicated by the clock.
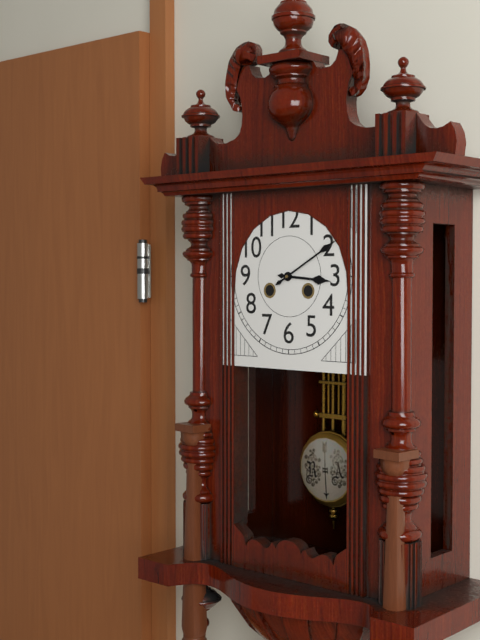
3:10
